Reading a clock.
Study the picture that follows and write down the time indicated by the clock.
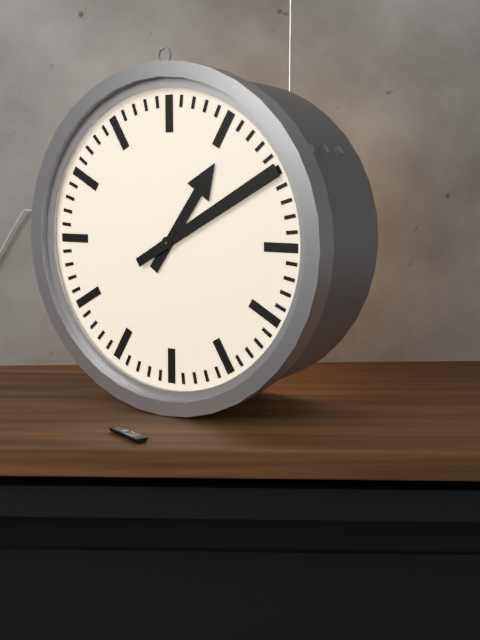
1:10
